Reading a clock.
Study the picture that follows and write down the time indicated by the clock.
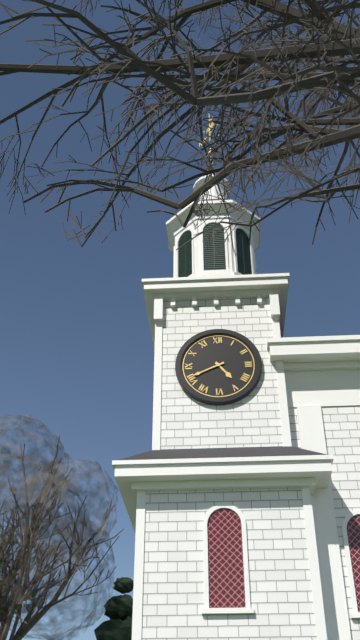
4:41
